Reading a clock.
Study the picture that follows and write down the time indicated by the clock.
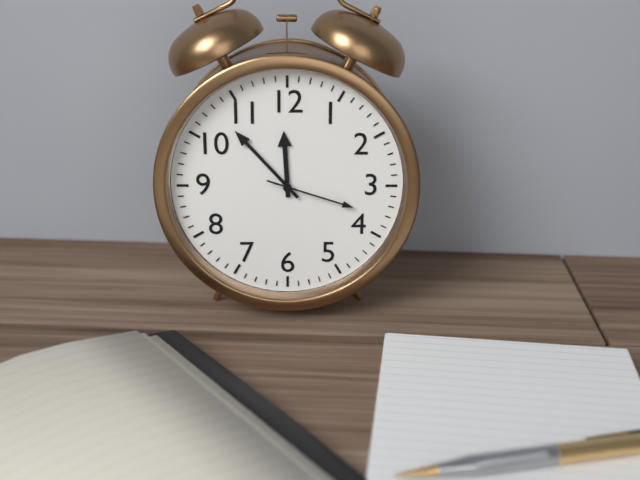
11:53:18
